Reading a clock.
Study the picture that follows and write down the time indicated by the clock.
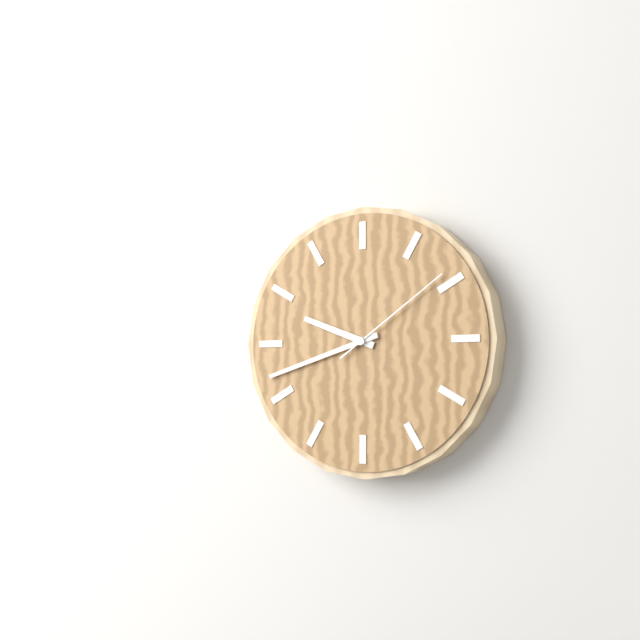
9:42:09
